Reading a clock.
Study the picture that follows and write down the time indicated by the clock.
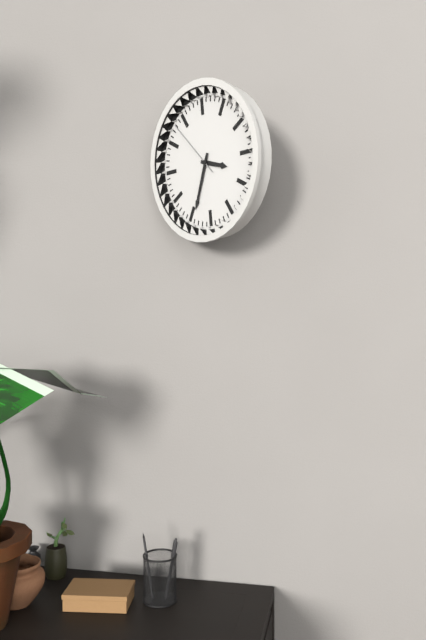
3:34:53
